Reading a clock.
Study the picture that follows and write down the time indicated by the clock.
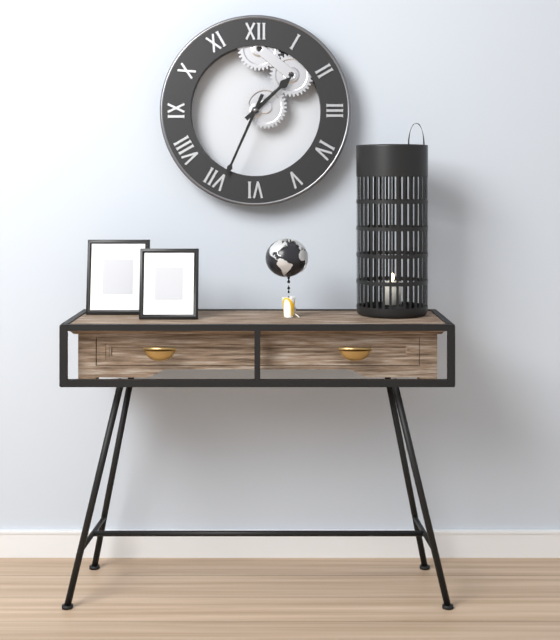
1:34
